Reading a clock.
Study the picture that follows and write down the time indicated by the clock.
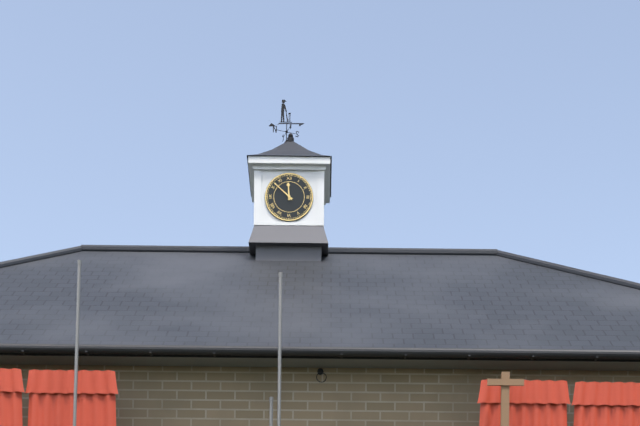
11:52
